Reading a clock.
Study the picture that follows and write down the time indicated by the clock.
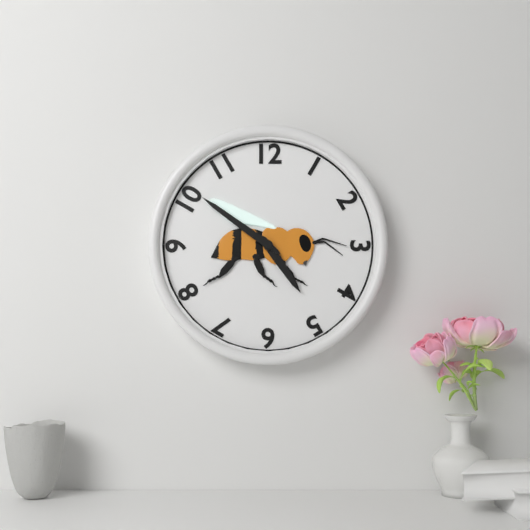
4:51
